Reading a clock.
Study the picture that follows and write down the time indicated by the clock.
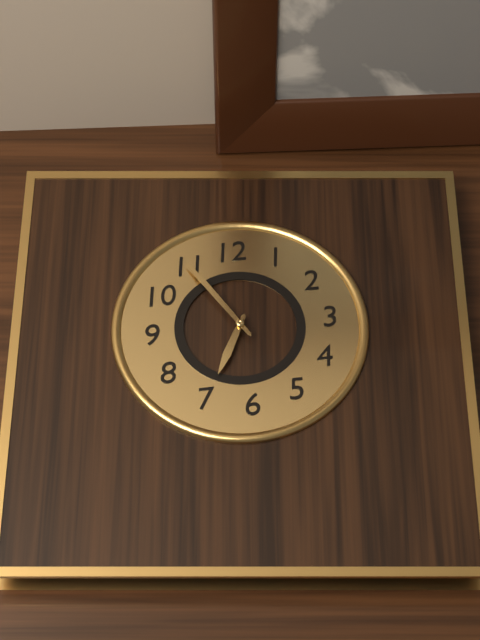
6:55
